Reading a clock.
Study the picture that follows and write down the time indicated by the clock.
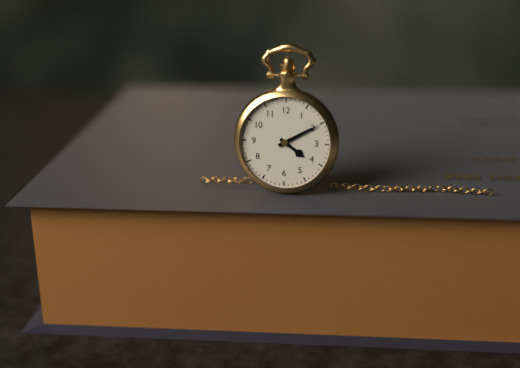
4:10
